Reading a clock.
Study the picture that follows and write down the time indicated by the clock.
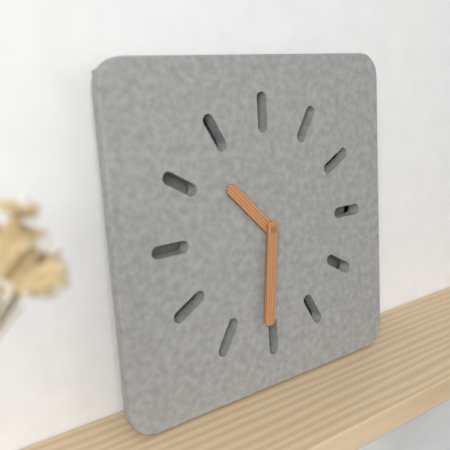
10:31
